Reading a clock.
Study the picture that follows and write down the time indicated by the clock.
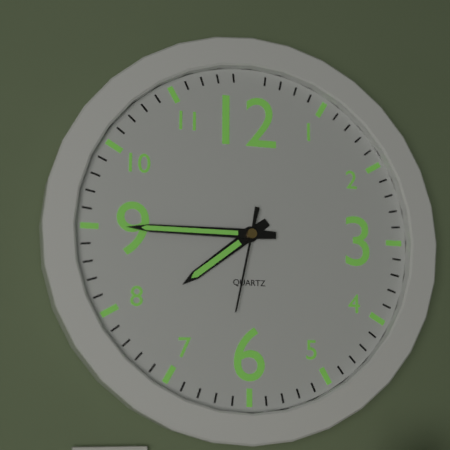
7:45:32
